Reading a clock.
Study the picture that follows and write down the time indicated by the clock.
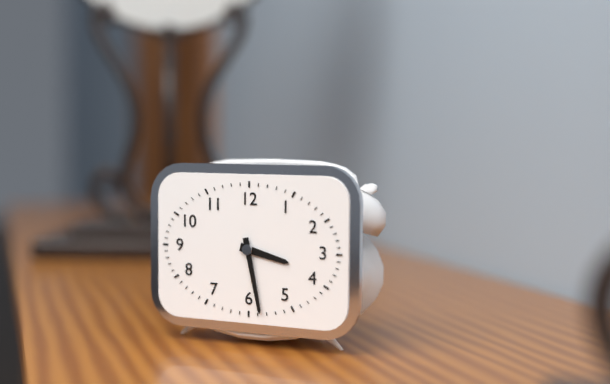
3:28
